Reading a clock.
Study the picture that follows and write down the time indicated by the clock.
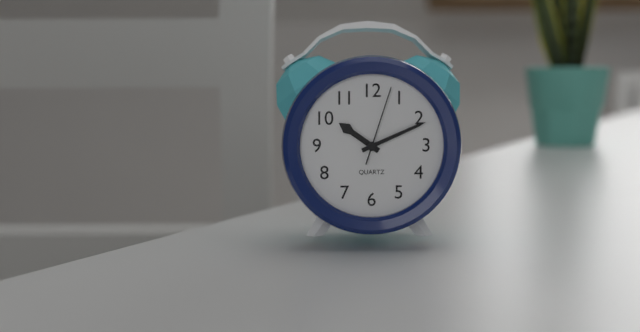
10:11:03
